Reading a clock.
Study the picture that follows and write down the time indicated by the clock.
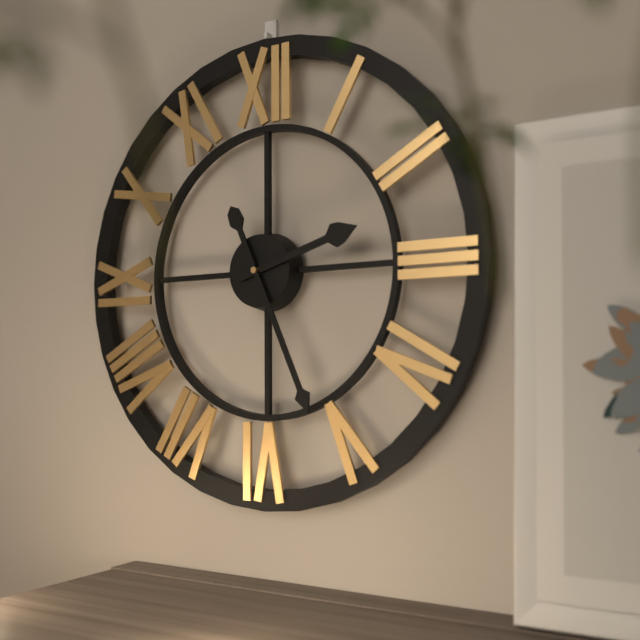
2:26
